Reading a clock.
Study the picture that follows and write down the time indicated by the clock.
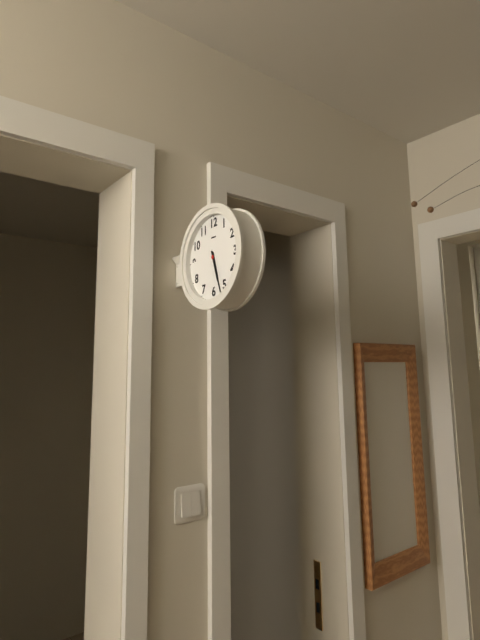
5:27
